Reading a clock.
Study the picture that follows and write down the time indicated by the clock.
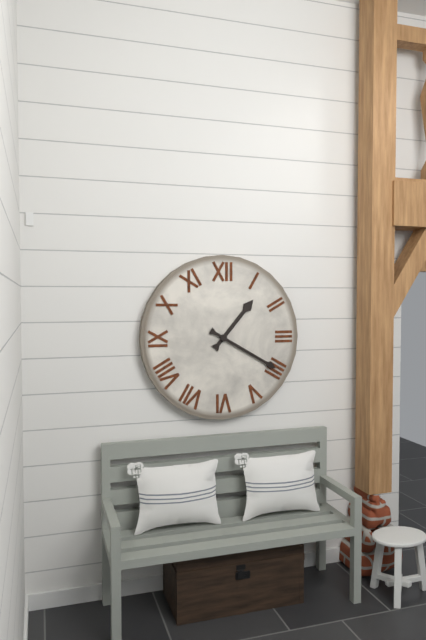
1:20
